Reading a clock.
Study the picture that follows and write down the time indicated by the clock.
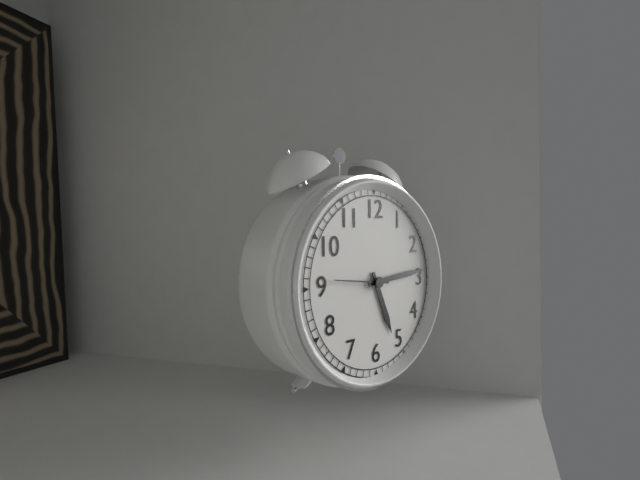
5:14:46
